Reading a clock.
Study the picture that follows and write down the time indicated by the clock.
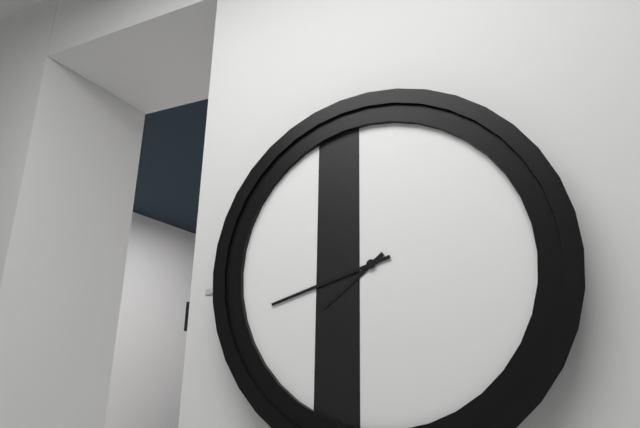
7:42
